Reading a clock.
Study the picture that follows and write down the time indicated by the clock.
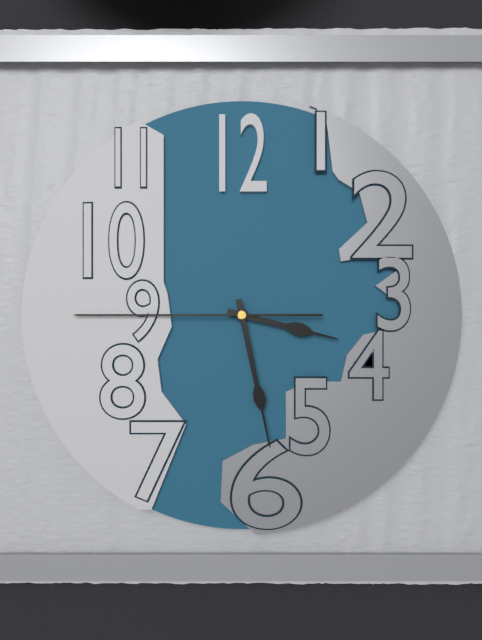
3:28:45
